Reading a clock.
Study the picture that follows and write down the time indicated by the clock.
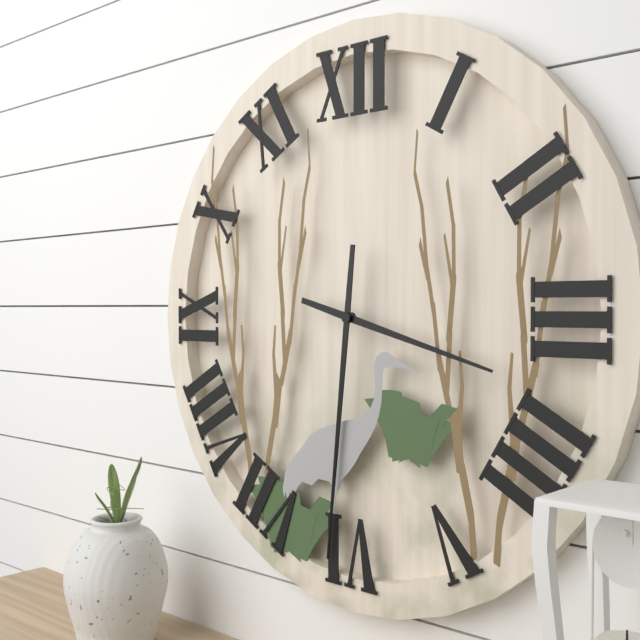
3:31
